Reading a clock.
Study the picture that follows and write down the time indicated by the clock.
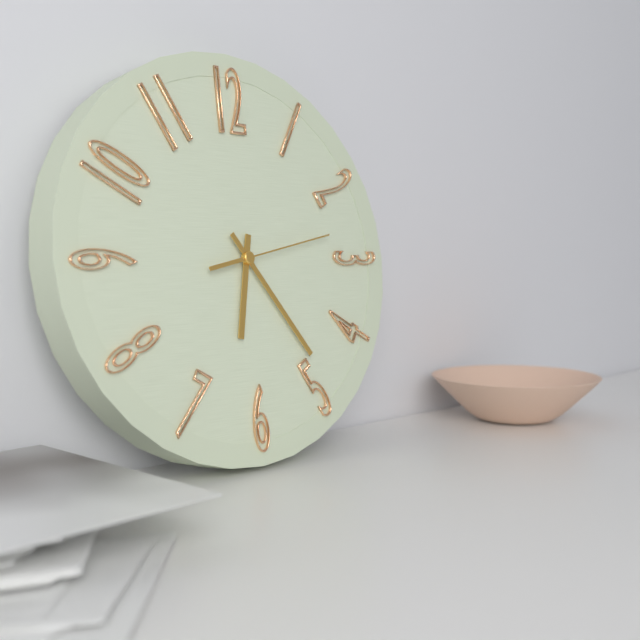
6:24:13
